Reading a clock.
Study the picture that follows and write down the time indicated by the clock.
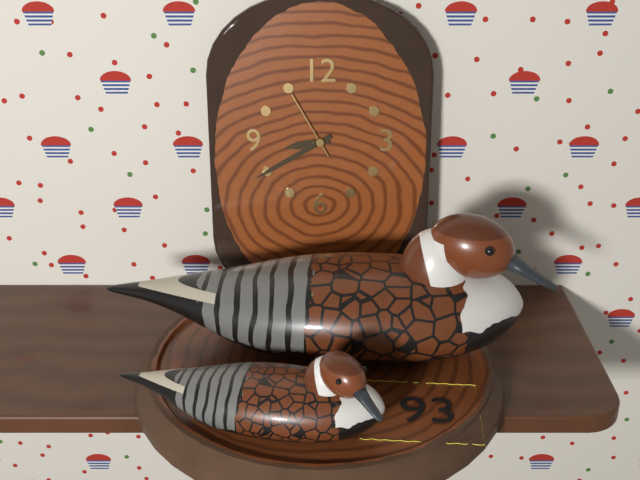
8:40:55
